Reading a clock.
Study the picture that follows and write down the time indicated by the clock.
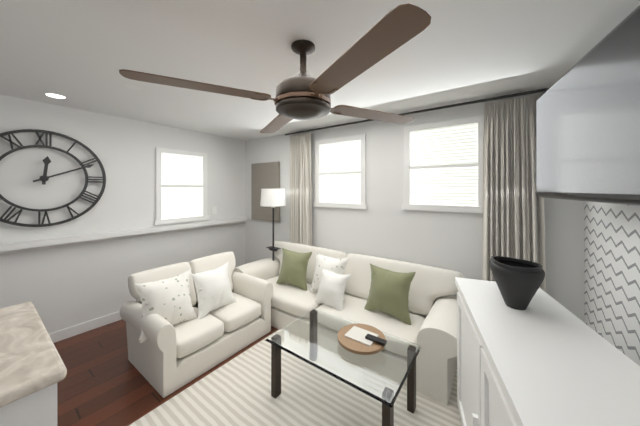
12:11
